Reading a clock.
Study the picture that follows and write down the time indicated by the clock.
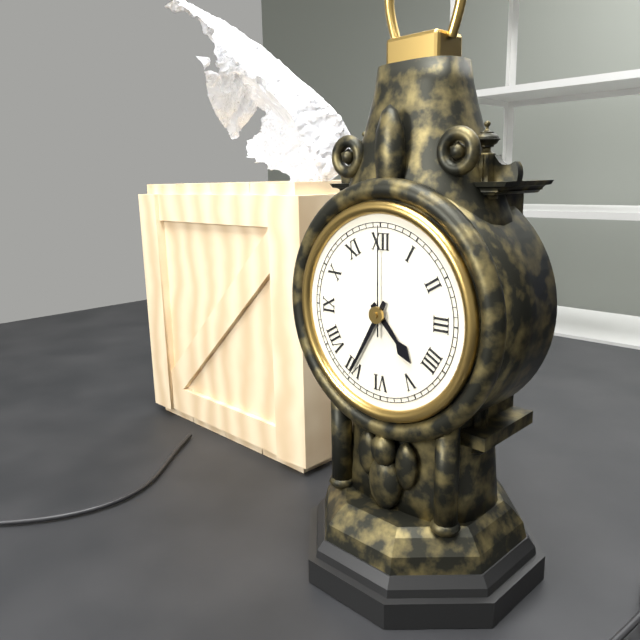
4:35:00
